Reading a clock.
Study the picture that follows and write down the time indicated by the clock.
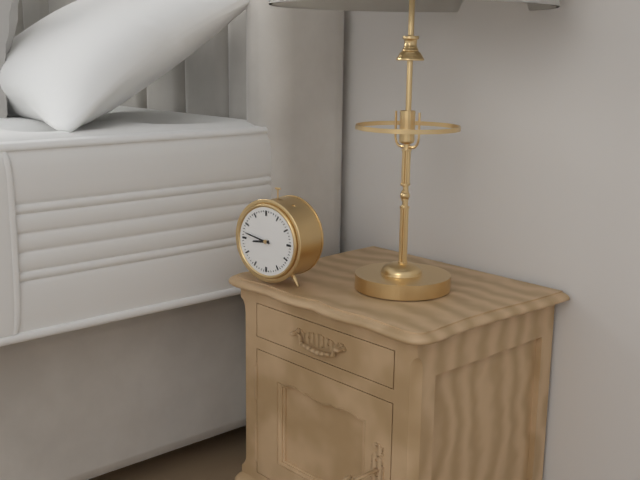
8:47
